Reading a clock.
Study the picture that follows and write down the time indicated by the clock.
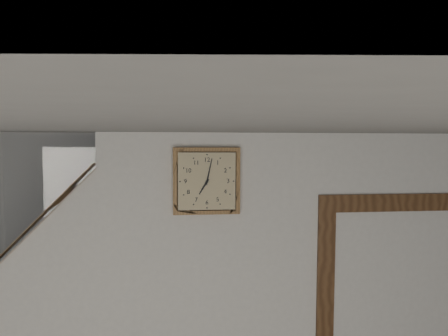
7:02
